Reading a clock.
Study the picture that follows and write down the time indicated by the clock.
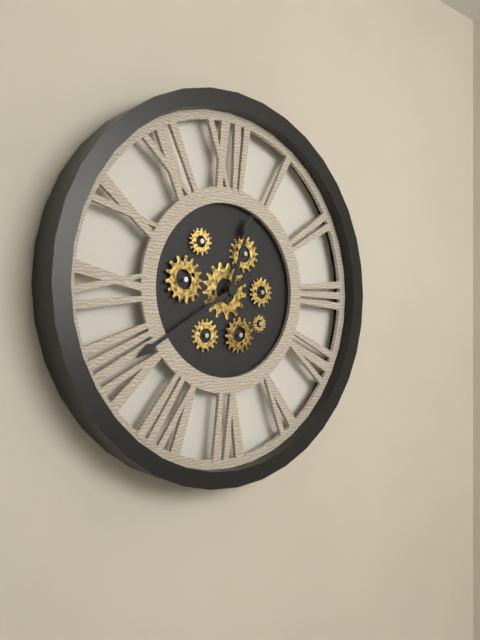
12:40
